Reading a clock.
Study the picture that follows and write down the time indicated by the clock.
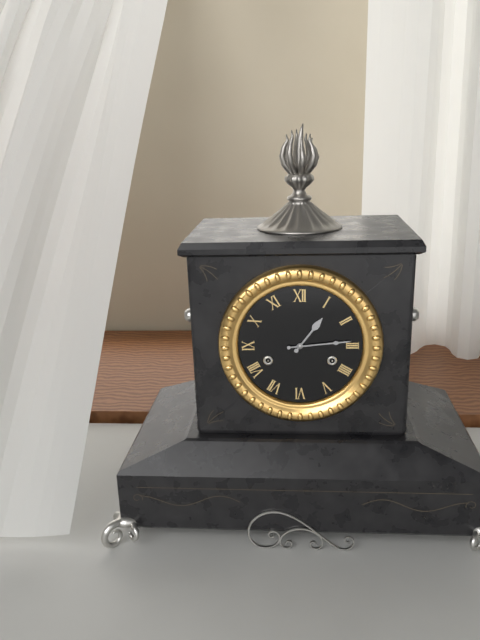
1:14
